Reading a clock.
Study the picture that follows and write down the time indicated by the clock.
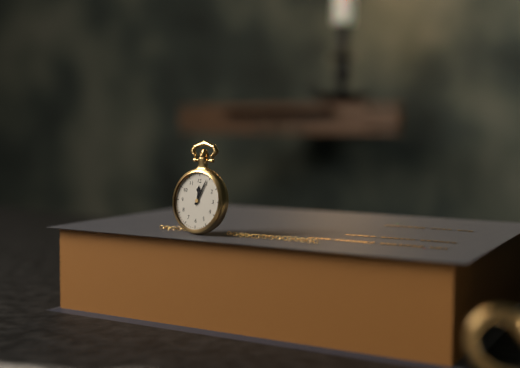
12:04
